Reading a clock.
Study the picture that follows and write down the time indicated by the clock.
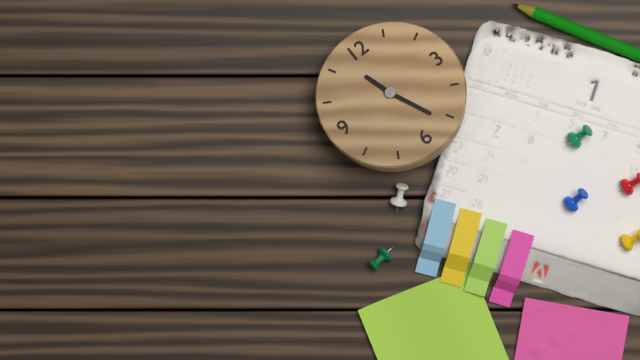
11:26
